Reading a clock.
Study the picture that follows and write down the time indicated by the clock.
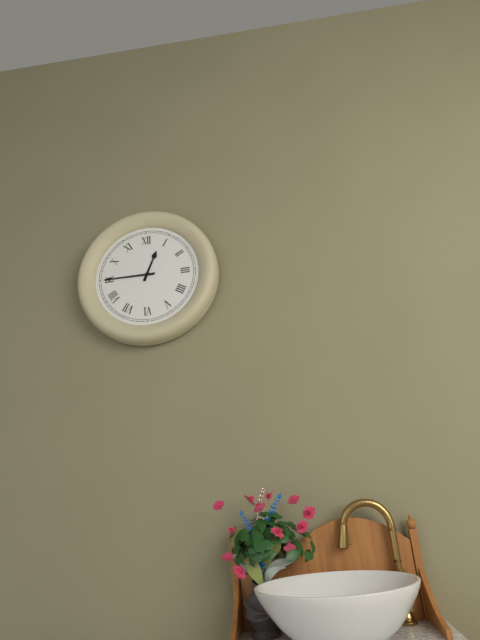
12:45
